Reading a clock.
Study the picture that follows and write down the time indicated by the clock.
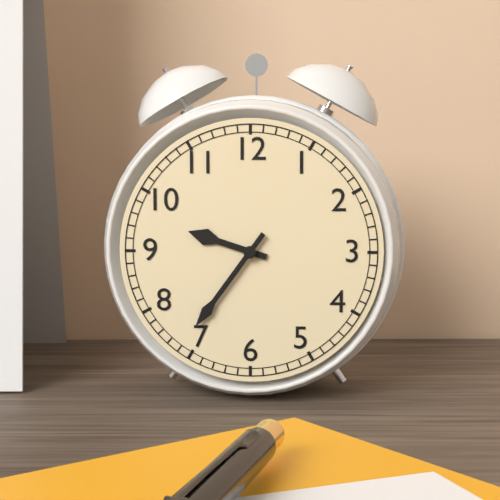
9:36
